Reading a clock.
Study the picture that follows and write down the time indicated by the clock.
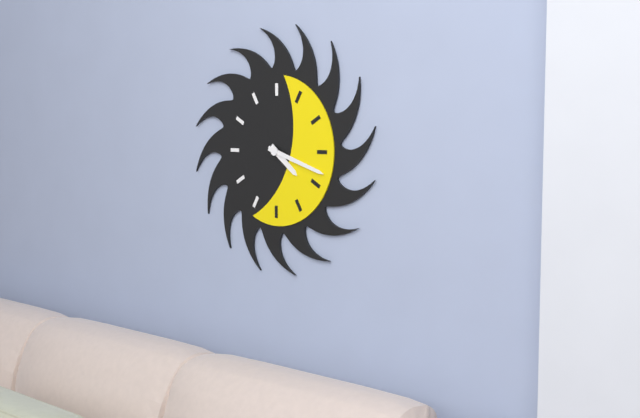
4:18
